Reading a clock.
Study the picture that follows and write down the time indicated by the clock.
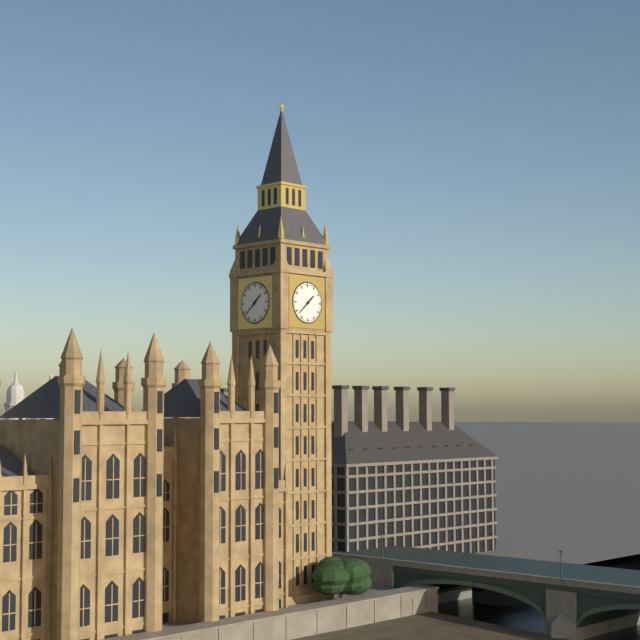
1:38
